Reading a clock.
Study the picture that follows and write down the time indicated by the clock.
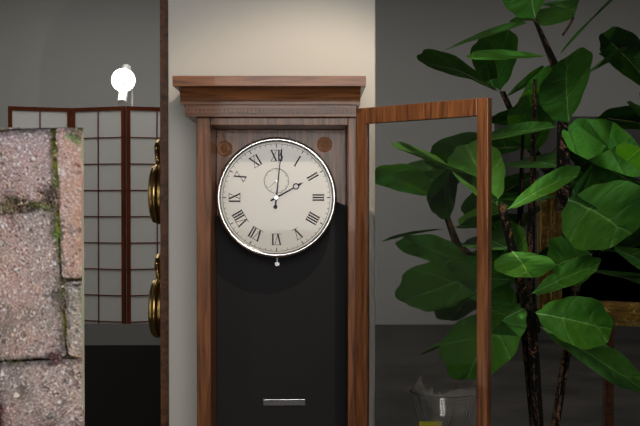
2:01
